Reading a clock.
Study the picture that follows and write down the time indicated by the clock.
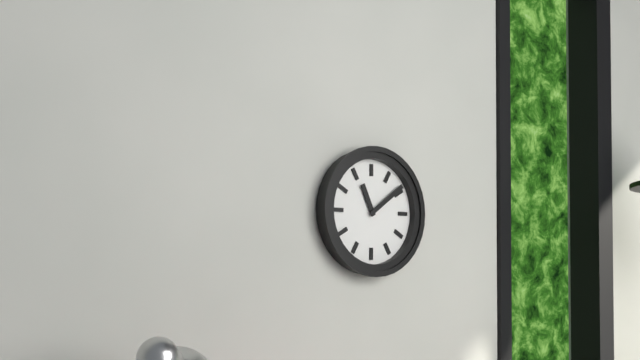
11:09
